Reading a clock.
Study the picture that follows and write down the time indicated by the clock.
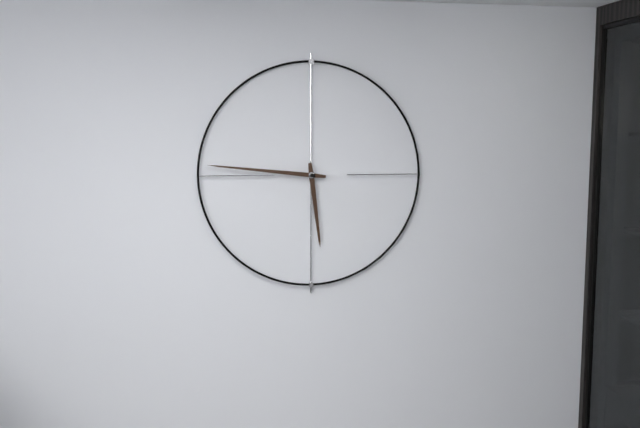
5:46
